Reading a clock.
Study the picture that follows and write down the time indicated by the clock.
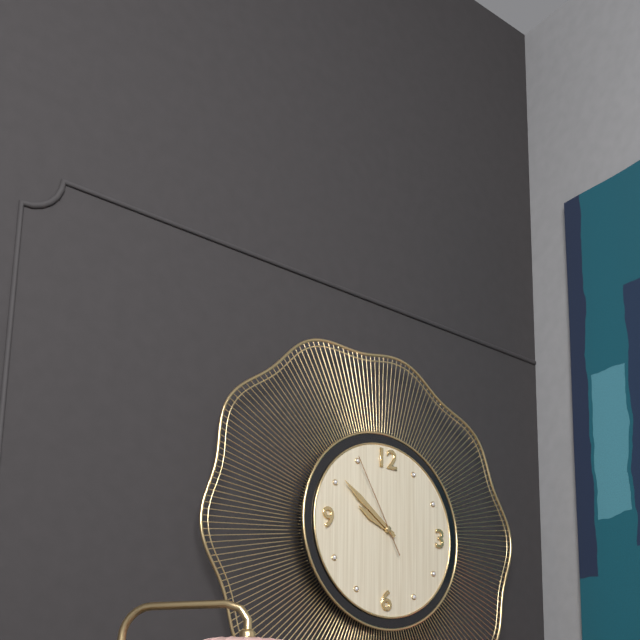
9:51:55
